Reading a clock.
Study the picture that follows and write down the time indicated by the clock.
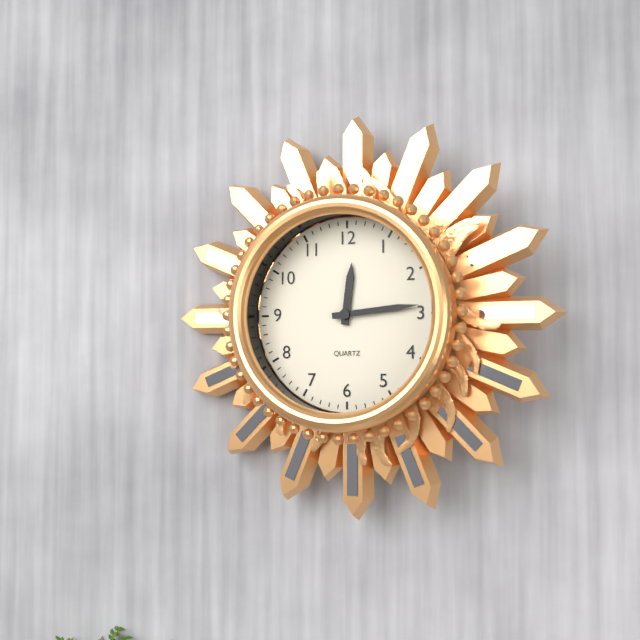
12:14
